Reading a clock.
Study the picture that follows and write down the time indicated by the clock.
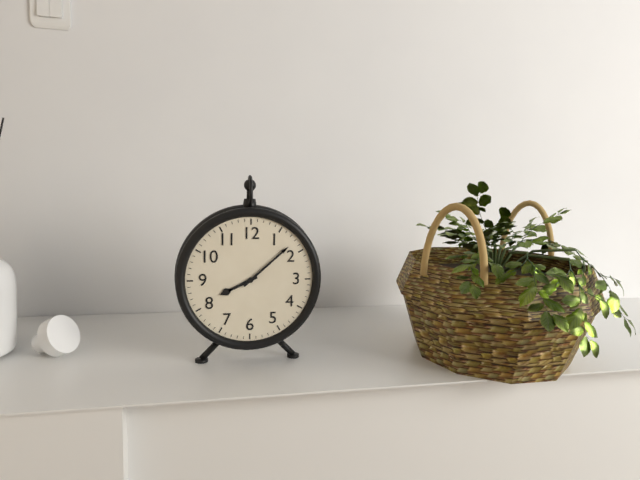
8:08
